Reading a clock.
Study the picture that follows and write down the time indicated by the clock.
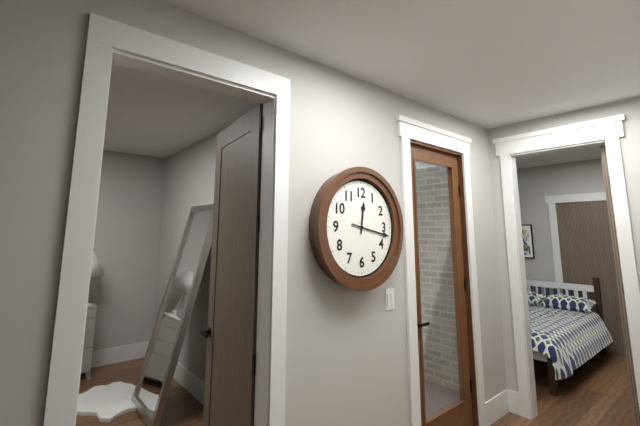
12:17
